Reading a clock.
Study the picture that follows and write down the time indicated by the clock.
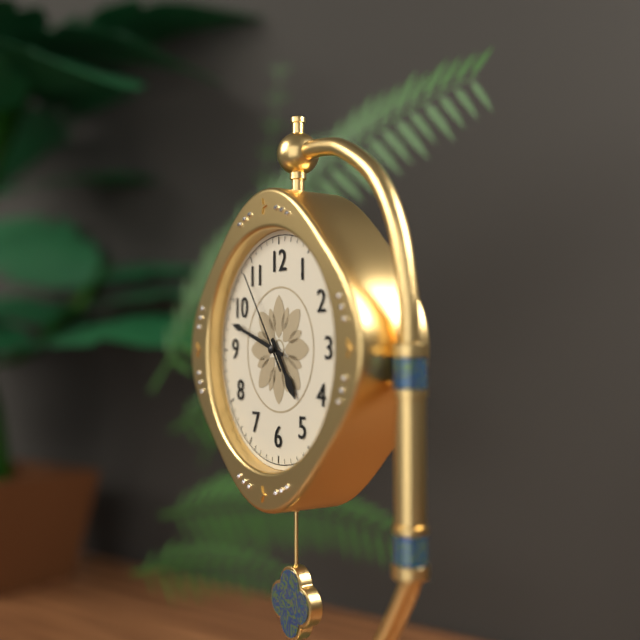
4:48:54
